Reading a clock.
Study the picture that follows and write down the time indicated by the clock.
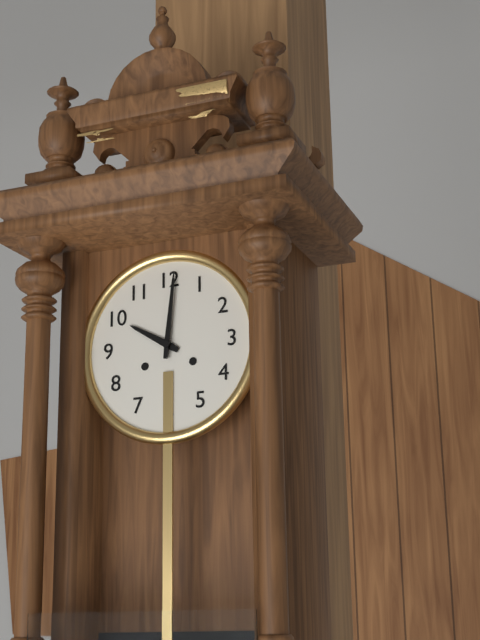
10:01
